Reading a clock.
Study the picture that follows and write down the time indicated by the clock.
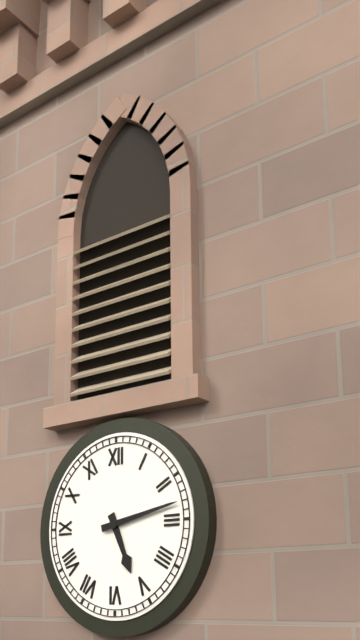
5:13
